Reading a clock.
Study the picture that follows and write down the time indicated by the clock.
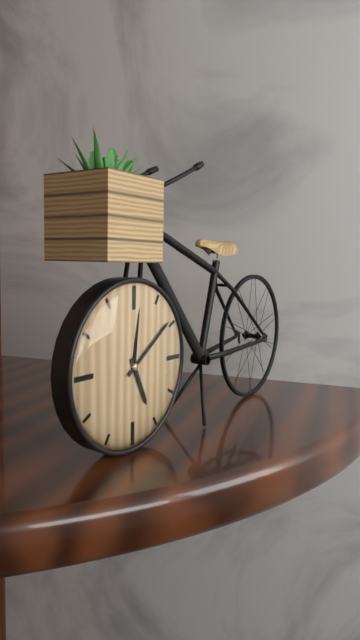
5:09
